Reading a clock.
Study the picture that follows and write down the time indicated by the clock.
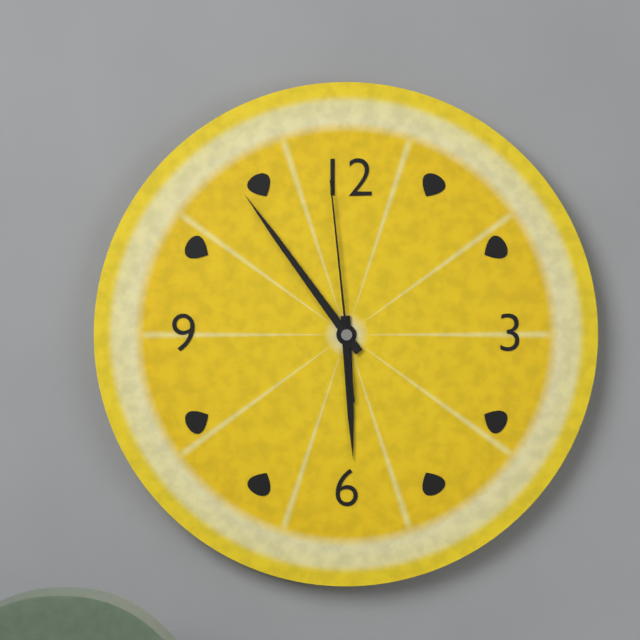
5:54:59
